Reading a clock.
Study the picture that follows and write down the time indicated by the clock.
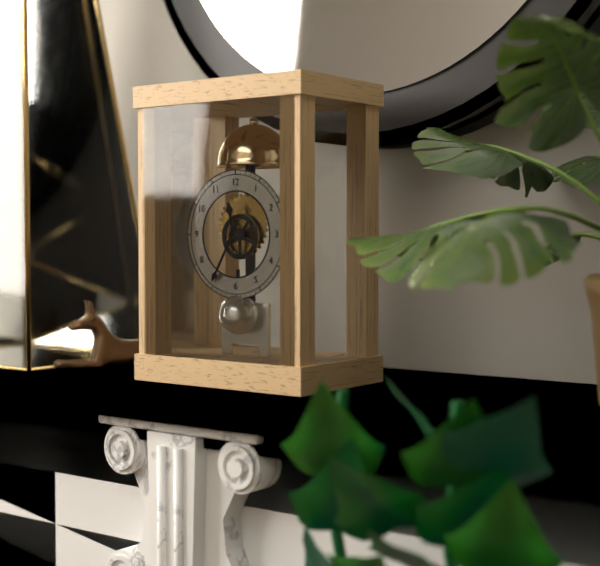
11:35
